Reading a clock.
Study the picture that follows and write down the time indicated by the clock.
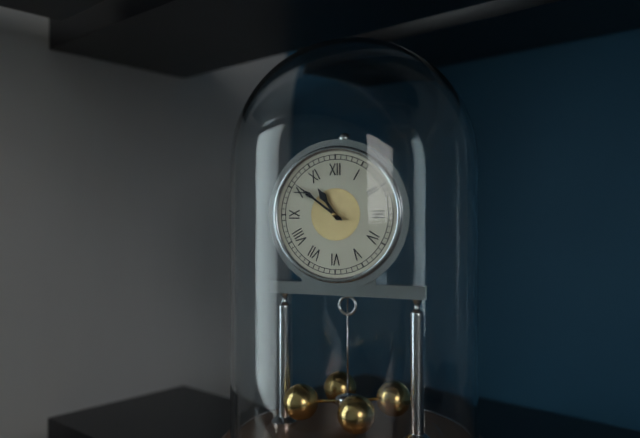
10:51
